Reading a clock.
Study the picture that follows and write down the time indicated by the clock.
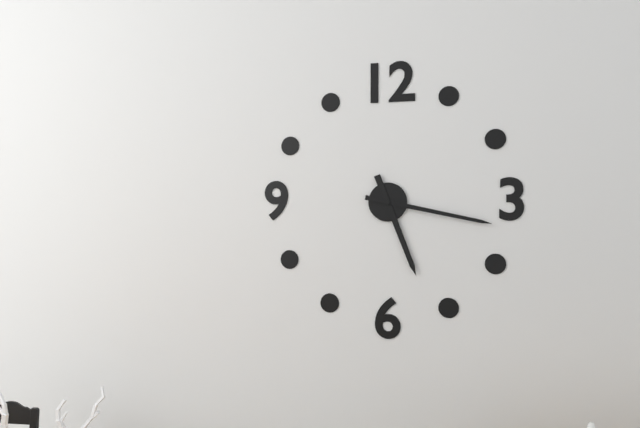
5:17
